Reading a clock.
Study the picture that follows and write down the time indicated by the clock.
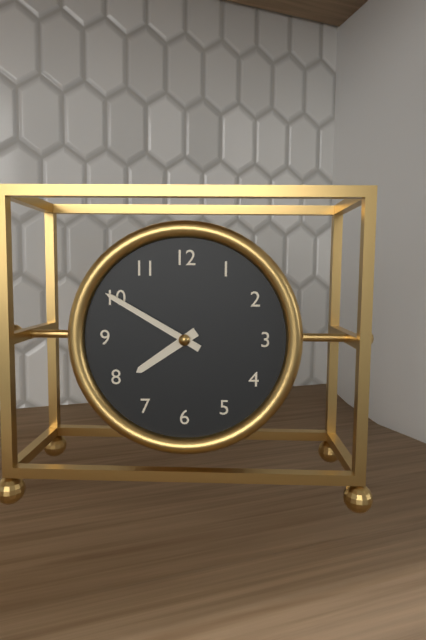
7:50
